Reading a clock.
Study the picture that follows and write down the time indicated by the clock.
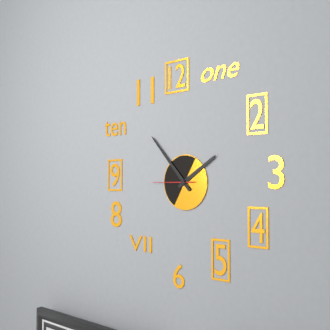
1:53
